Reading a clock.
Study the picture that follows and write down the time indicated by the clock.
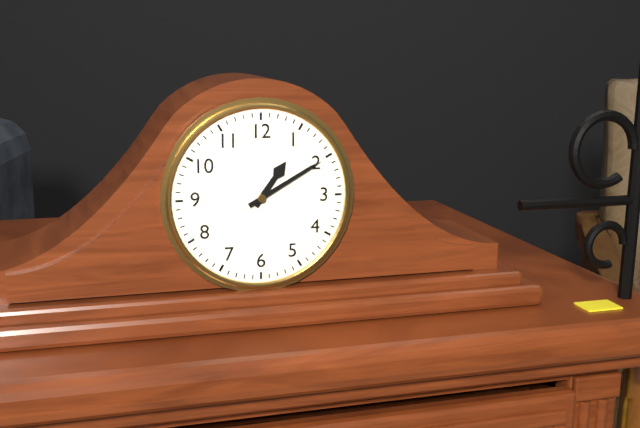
1:10
